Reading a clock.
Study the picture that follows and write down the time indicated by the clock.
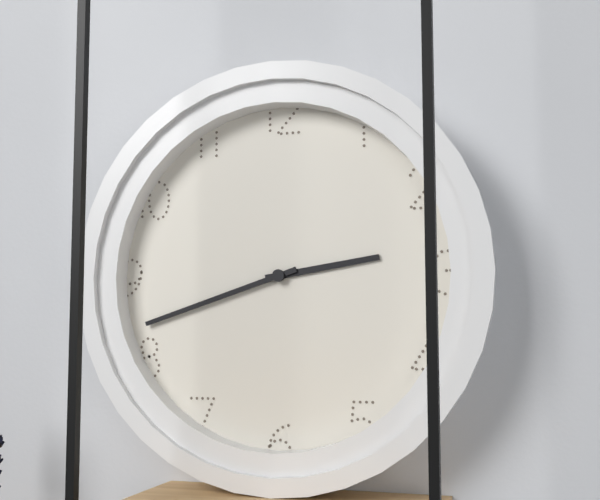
2:42
